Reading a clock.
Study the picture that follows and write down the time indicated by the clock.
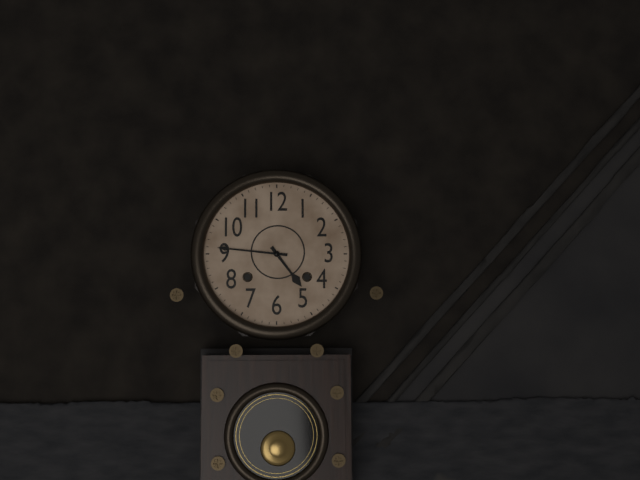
4:46
